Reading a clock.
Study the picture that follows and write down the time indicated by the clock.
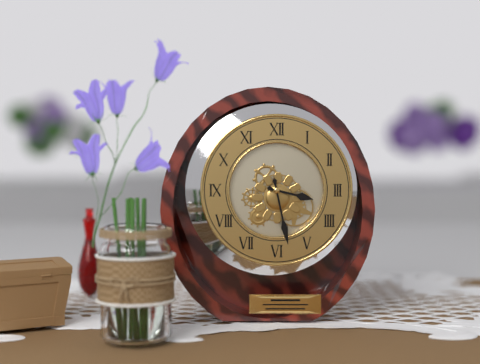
3:28
